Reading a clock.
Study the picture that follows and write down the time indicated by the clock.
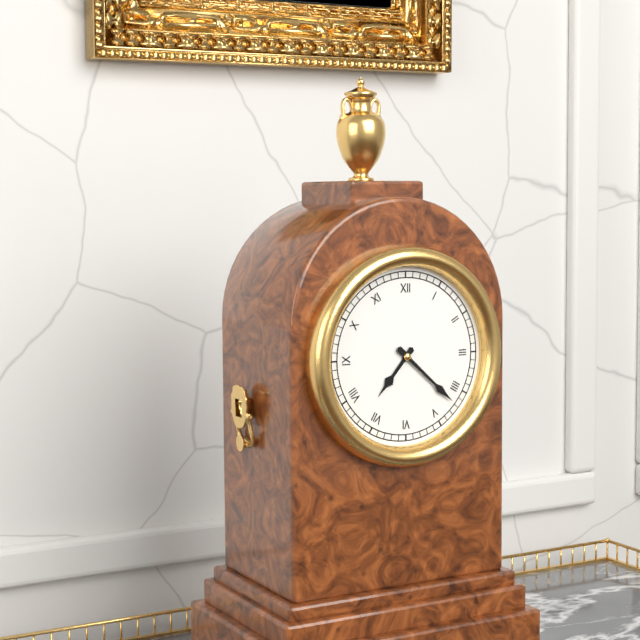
7:22
